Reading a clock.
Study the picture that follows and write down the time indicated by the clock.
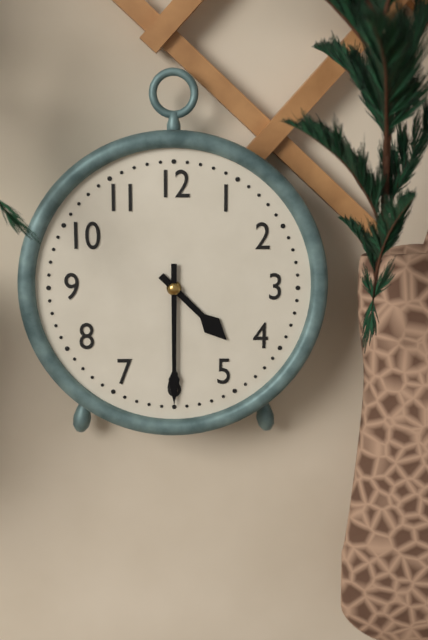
4:30
